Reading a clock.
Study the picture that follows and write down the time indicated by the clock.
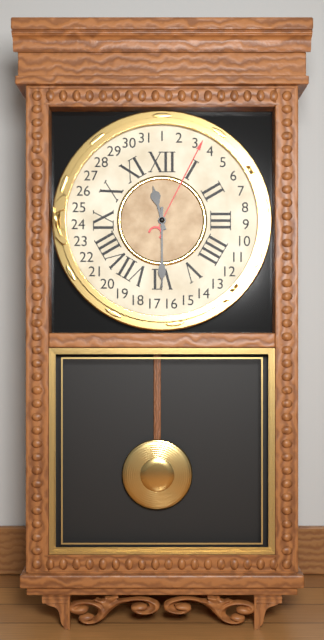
11:30
